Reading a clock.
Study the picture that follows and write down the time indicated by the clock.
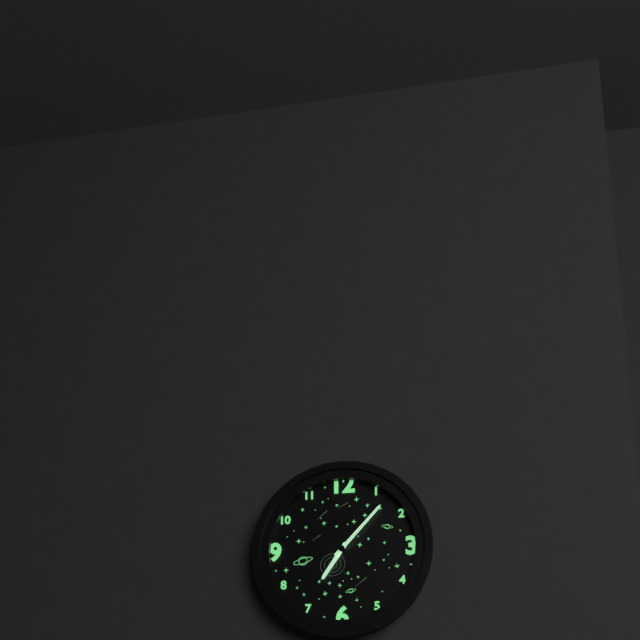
7:07
